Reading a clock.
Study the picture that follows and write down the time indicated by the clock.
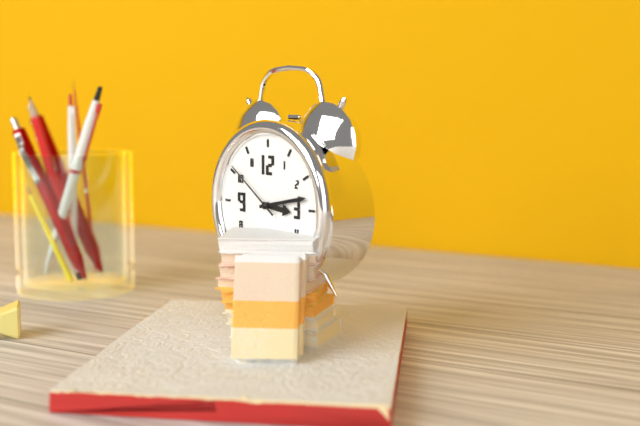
3:13:51
